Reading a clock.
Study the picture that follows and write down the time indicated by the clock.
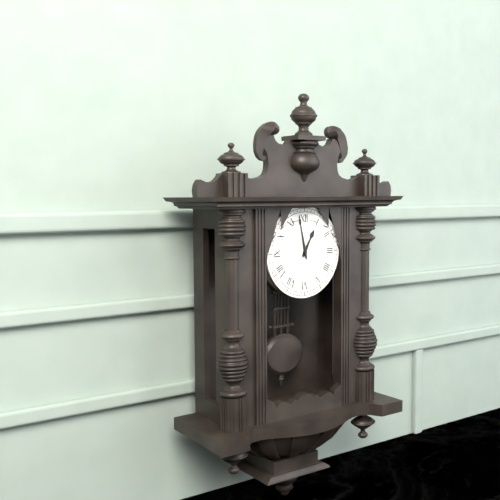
12:58
